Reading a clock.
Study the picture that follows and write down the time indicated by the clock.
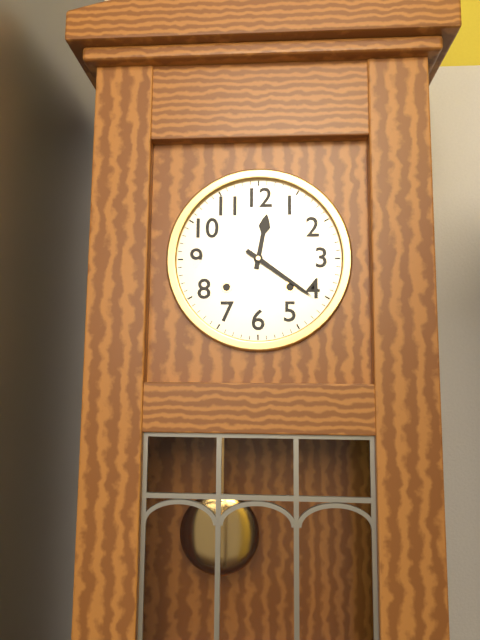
12:21
